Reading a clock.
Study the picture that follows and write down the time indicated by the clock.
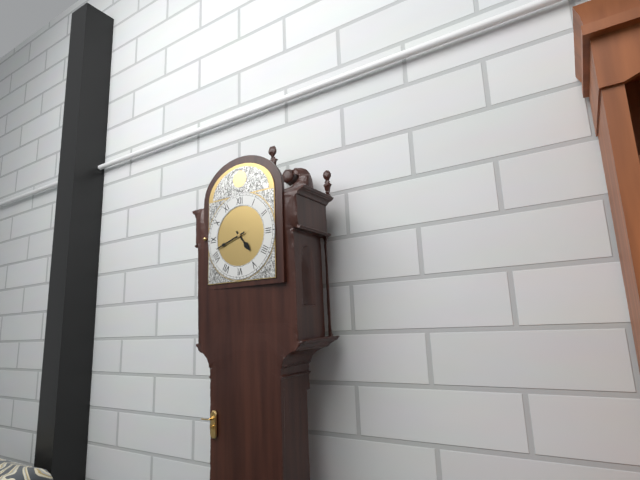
4:42
